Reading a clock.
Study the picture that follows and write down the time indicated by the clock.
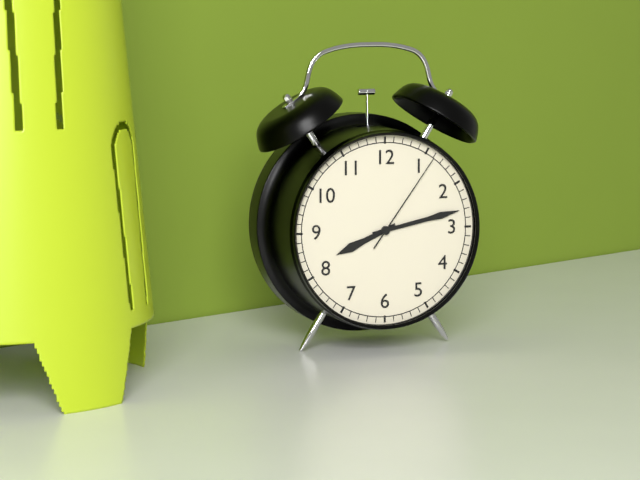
8:13:06
